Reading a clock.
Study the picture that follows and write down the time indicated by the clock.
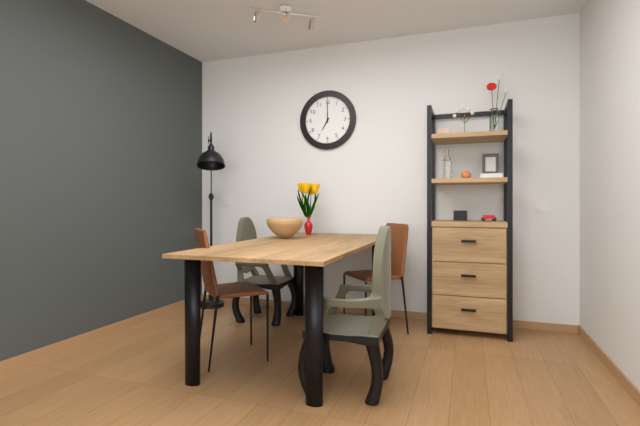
7:00
